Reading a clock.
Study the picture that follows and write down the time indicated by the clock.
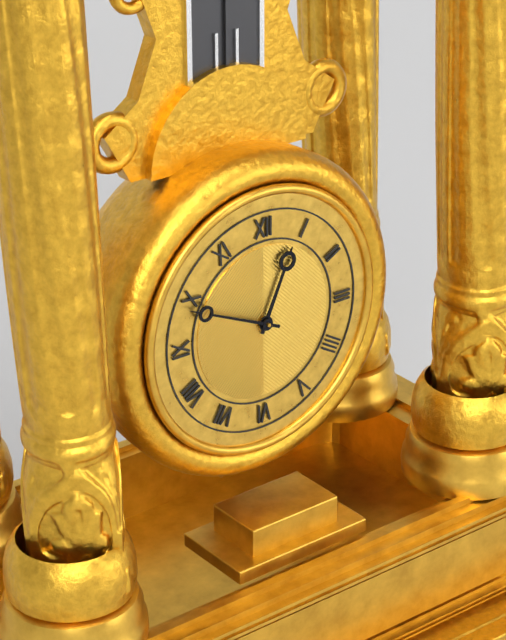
12:49
